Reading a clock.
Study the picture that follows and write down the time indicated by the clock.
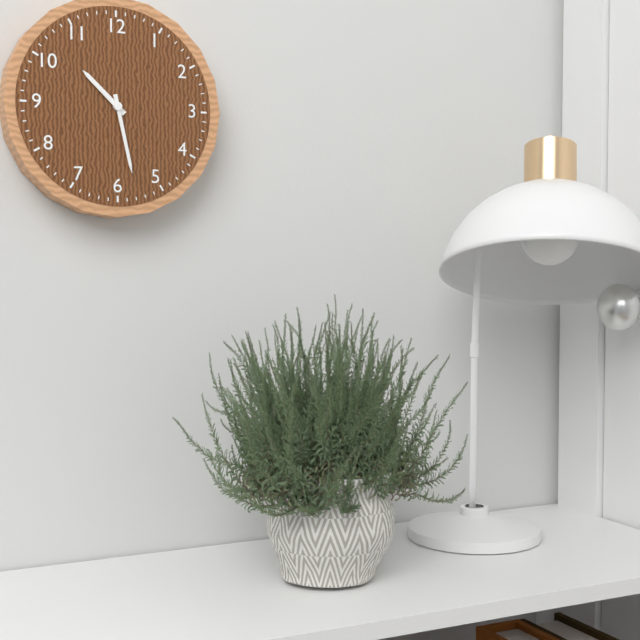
10:28
